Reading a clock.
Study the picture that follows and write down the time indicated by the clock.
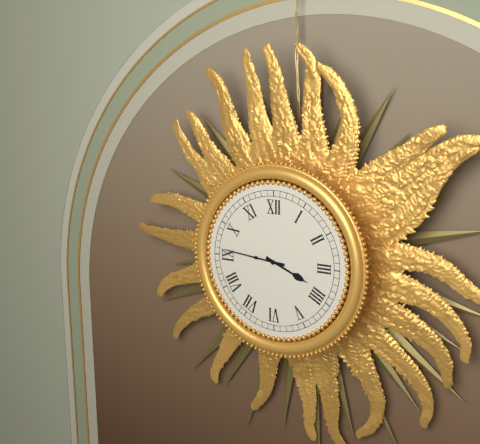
3:46
